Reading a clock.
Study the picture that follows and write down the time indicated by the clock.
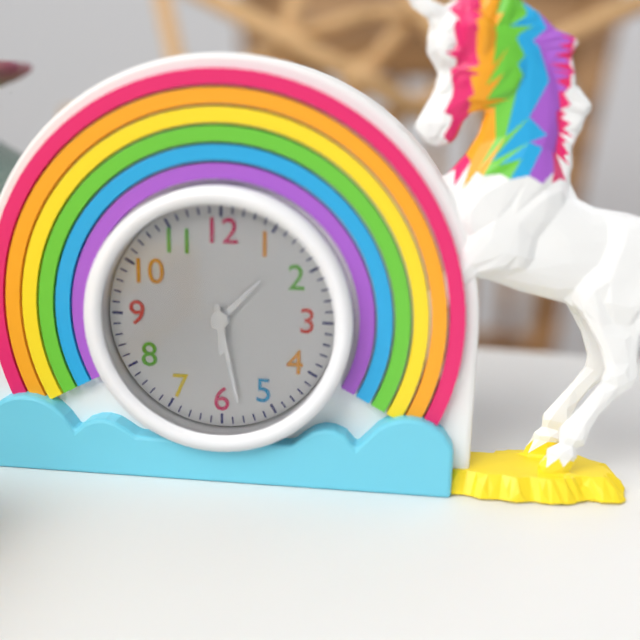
1:28
